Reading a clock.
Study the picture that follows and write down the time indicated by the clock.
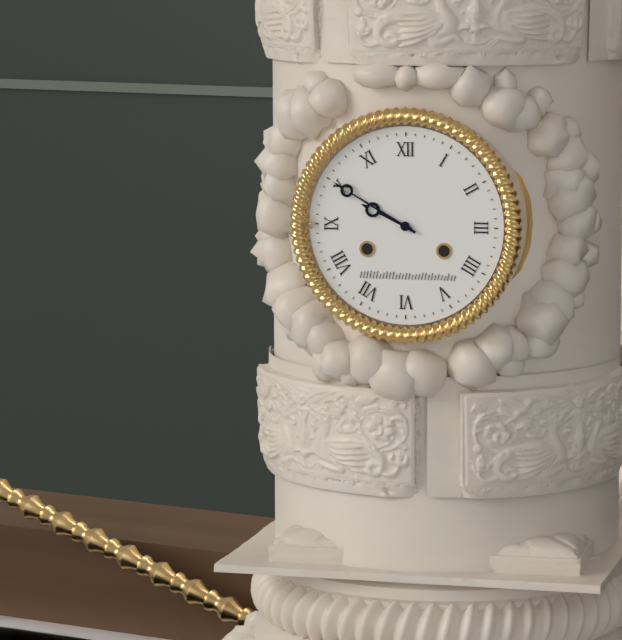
9:50
